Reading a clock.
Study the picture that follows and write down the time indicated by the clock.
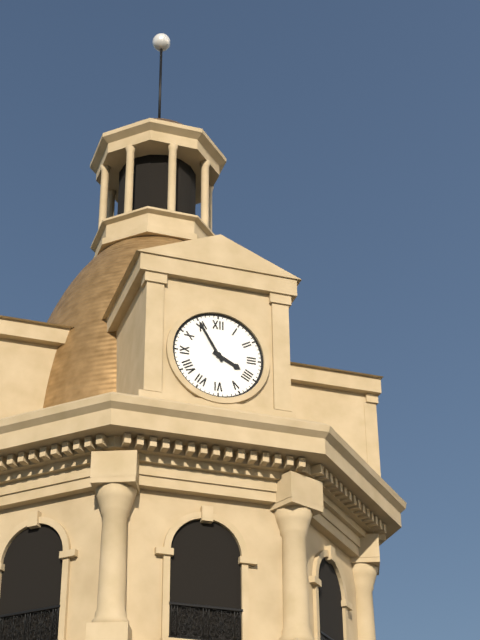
3:55
